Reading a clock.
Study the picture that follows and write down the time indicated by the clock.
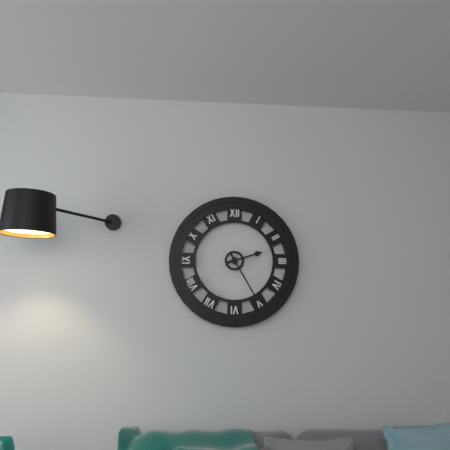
2:25
